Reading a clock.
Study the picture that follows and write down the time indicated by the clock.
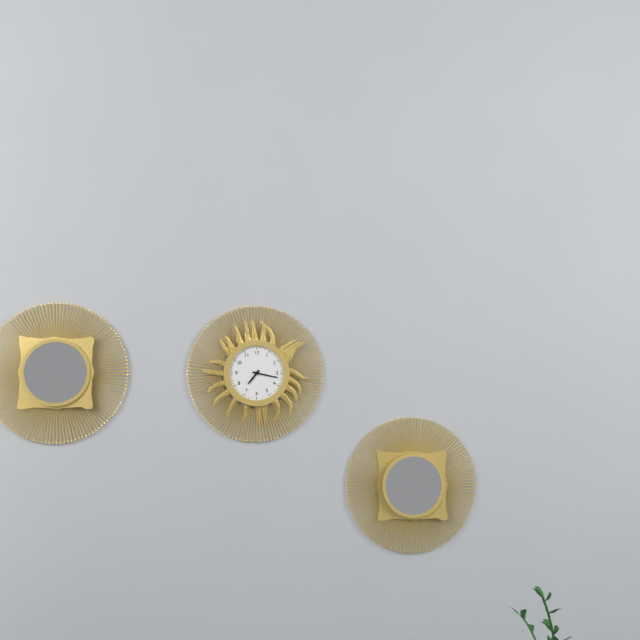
7:17
